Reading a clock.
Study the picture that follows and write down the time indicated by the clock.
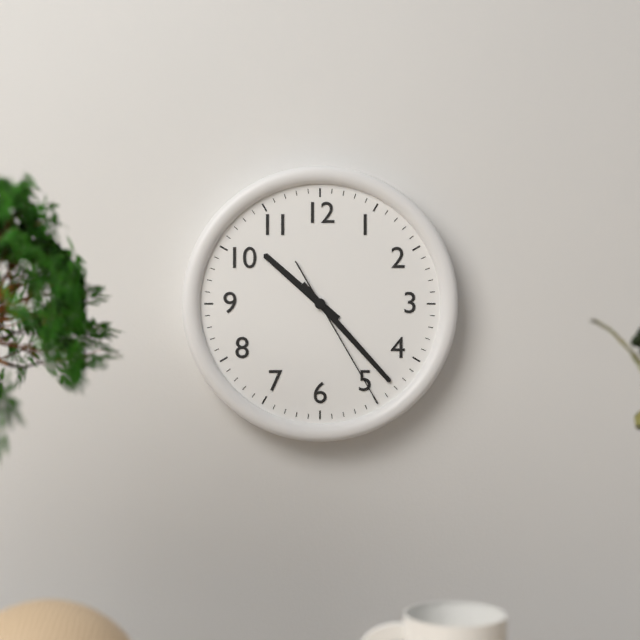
10:23:25
